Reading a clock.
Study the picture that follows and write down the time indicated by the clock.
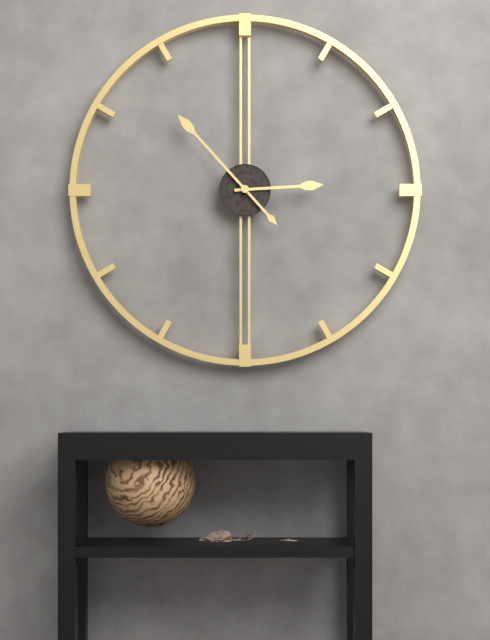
2:53
